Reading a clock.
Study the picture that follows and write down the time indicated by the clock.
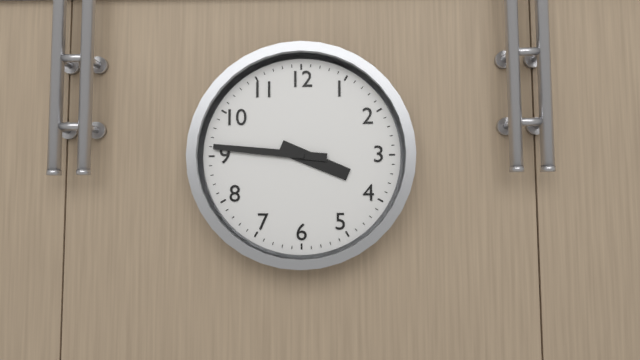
3:46
